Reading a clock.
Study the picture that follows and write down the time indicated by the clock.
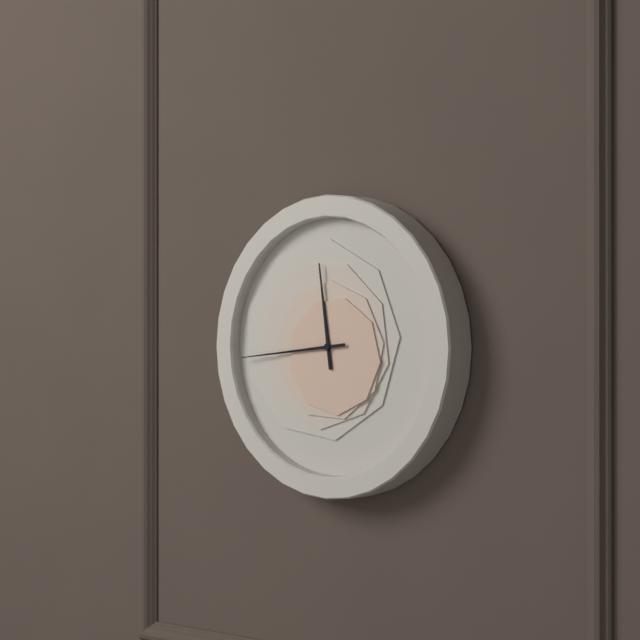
11:44
